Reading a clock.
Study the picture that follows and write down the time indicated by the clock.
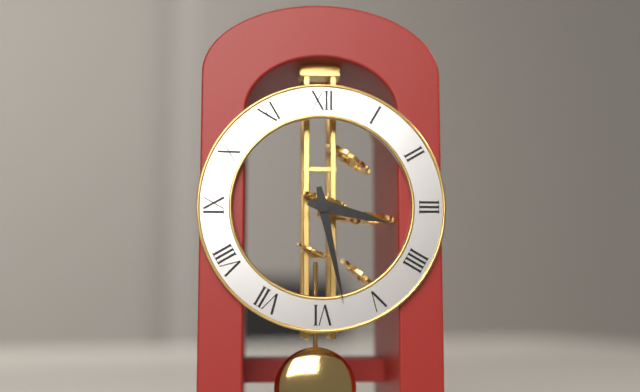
3:28
